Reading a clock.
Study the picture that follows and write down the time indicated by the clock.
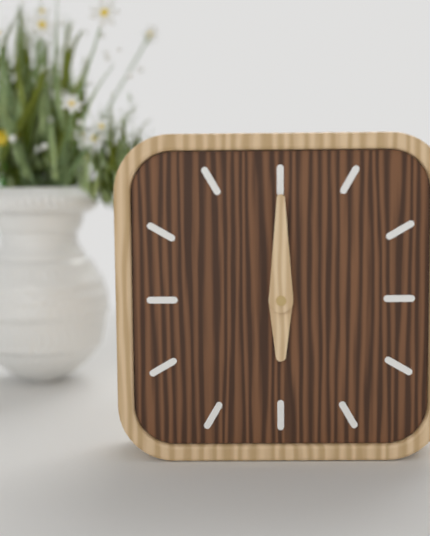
6:00
